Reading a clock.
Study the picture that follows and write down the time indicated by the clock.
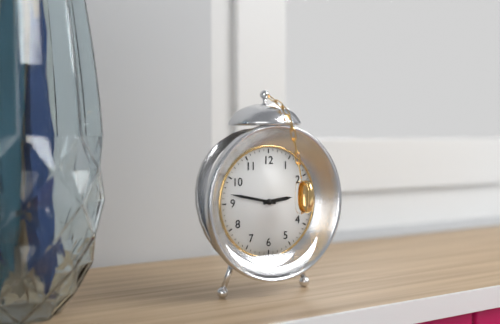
2:47
